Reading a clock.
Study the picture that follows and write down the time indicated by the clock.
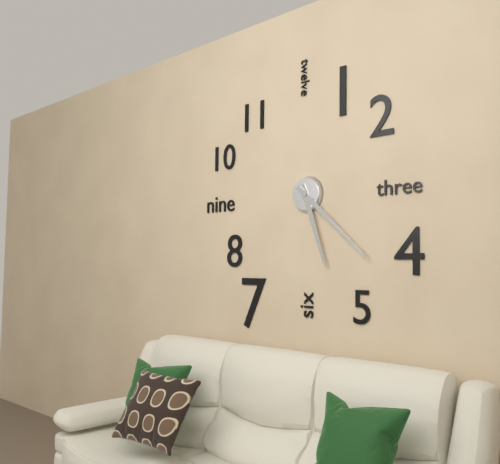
5:22
